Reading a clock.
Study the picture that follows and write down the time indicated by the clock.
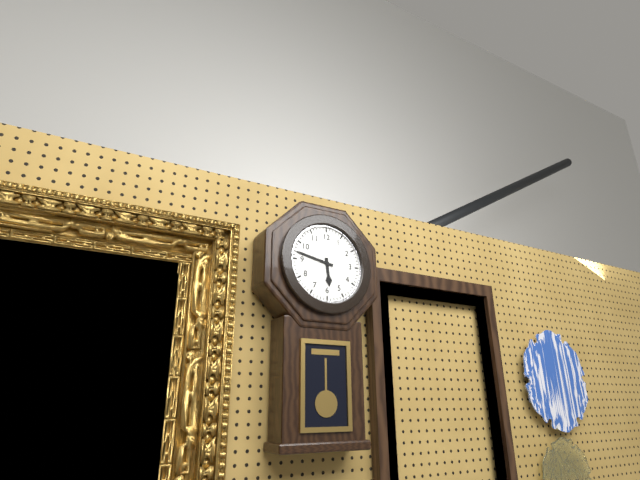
5:47
